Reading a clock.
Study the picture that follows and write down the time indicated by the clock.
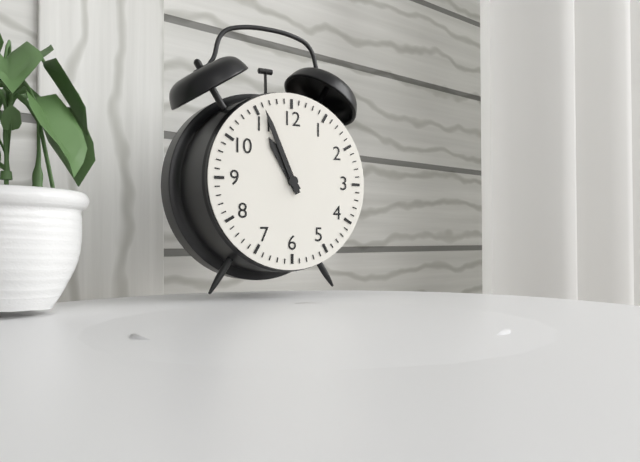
10:56
